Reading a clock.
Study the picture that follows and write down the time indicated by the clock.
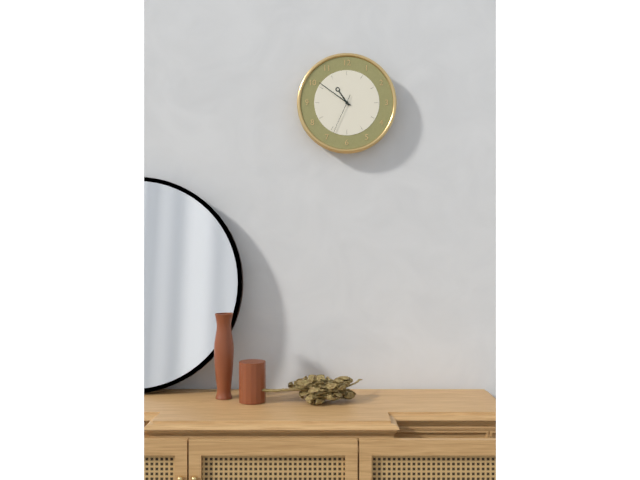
10:51
